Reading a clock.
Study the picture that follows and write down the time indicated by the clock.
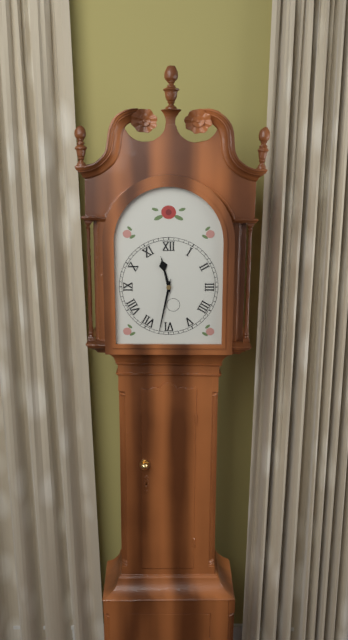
11:32
